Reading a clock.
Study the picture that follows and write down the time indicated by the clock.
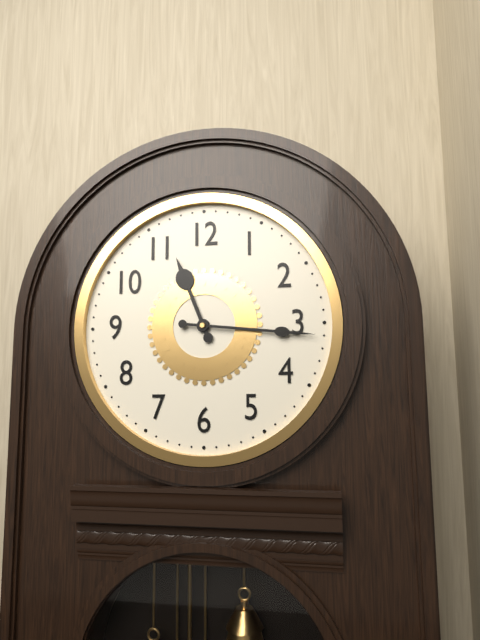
11:16
